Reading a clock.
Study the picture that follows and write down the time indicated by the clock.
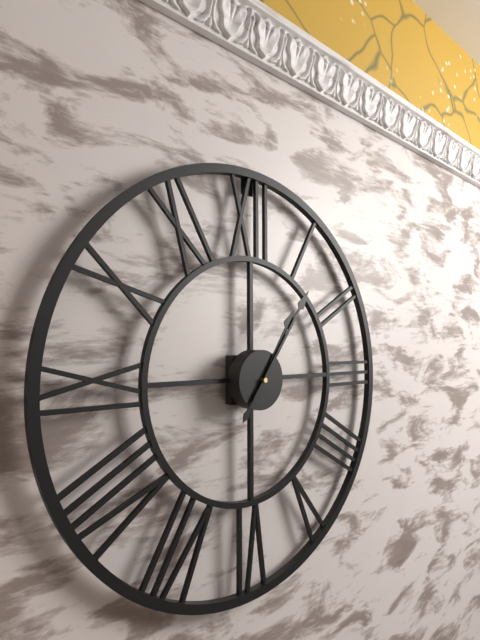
1:06
